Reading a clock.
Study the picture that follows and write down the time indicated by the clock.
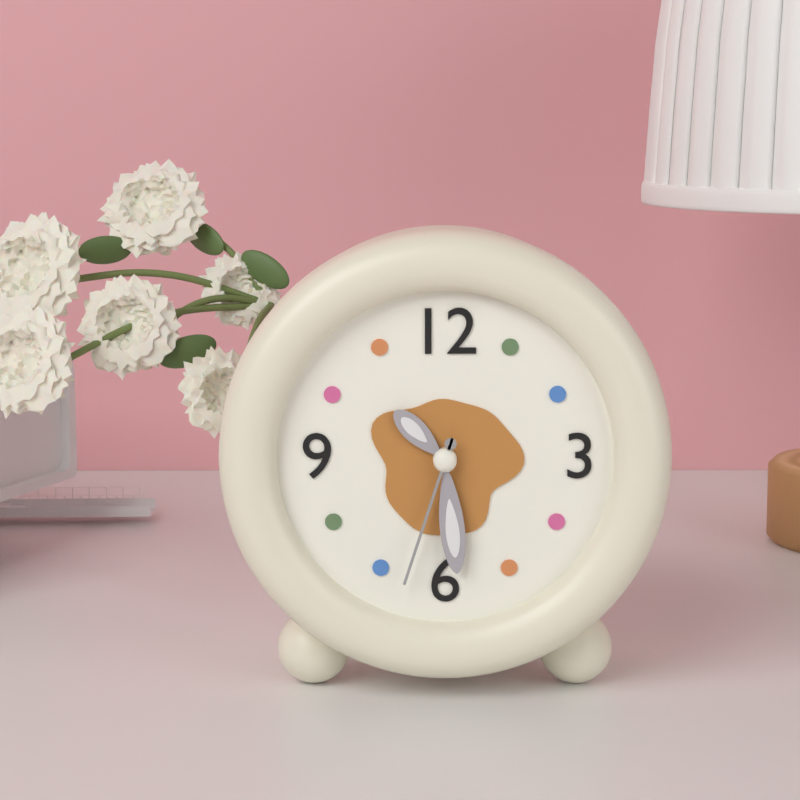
10:29:33
